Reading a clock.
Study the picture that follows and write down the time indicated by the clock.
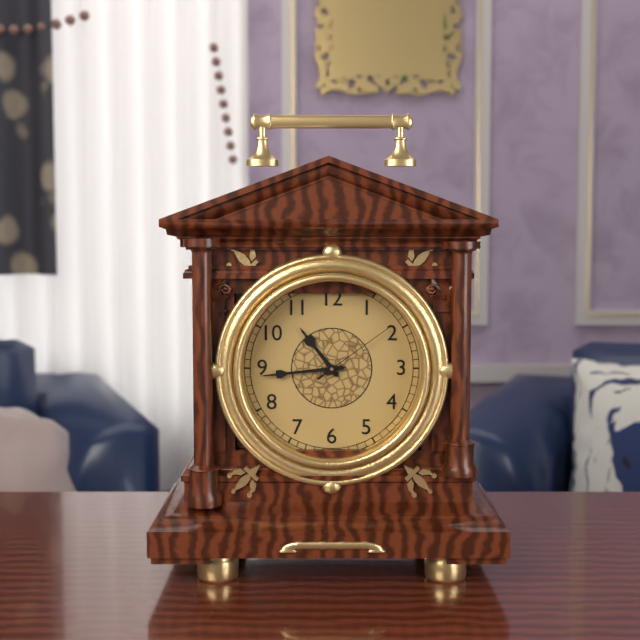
10:44:09
